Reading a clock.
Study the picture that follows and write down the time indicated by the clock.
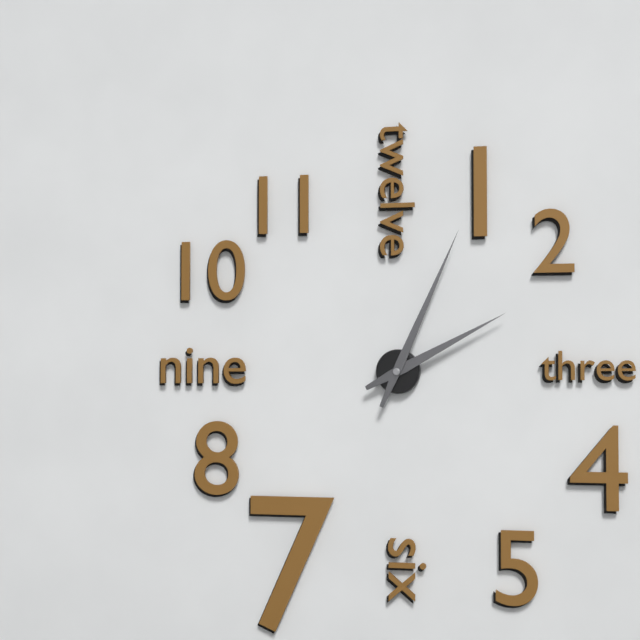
2:04
